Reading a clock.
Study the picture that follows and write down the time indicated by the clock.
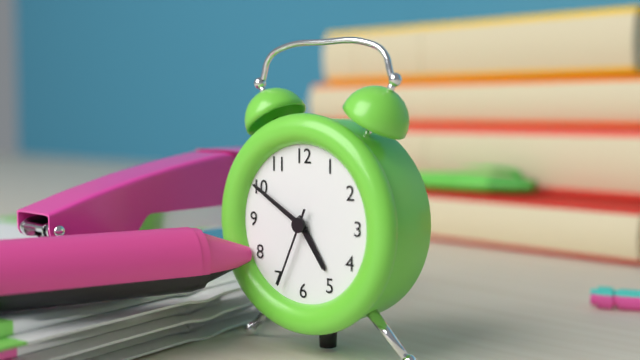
4:50:34
